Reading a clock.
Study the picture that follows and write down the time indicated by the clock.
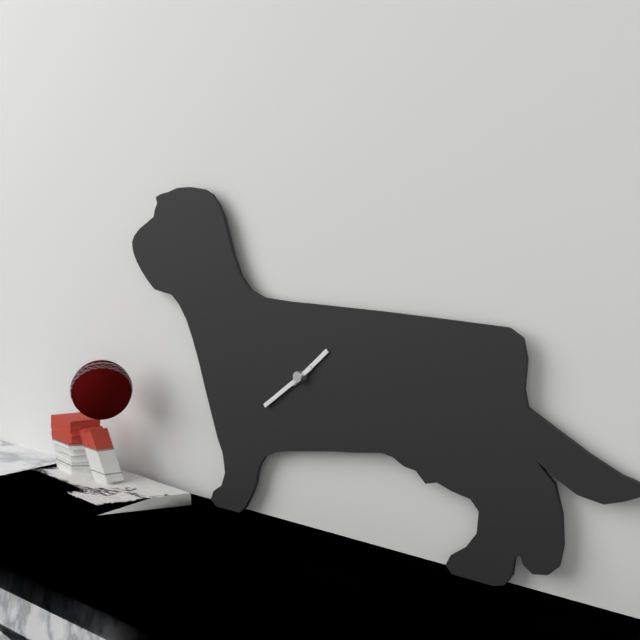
1:39
